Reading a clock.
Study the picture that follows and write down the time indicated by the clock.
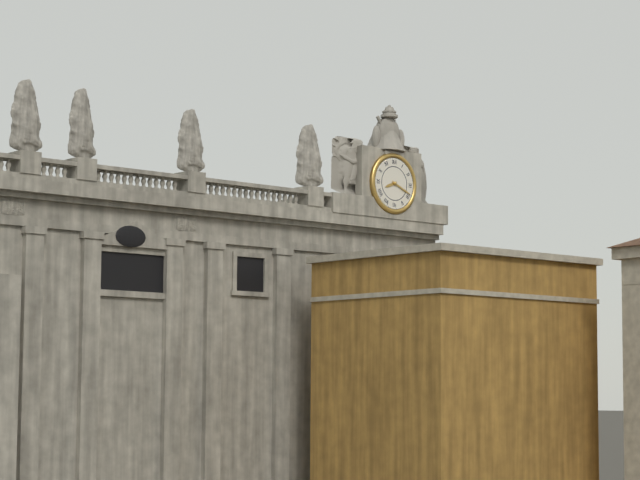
8:19
